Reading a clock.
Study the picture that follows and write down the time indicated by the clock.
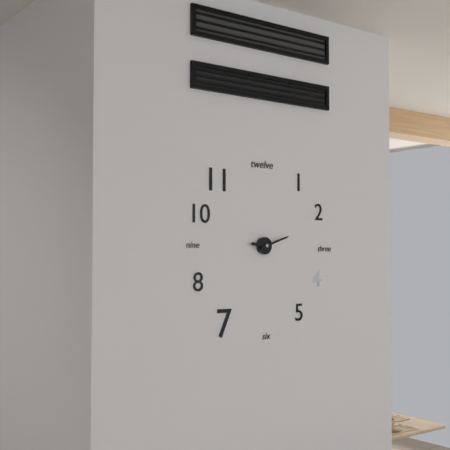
9:12
